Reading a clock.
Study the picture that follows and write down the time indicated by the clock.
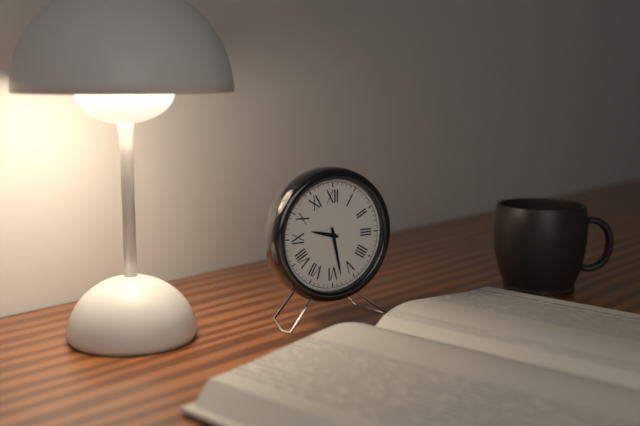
9:28
